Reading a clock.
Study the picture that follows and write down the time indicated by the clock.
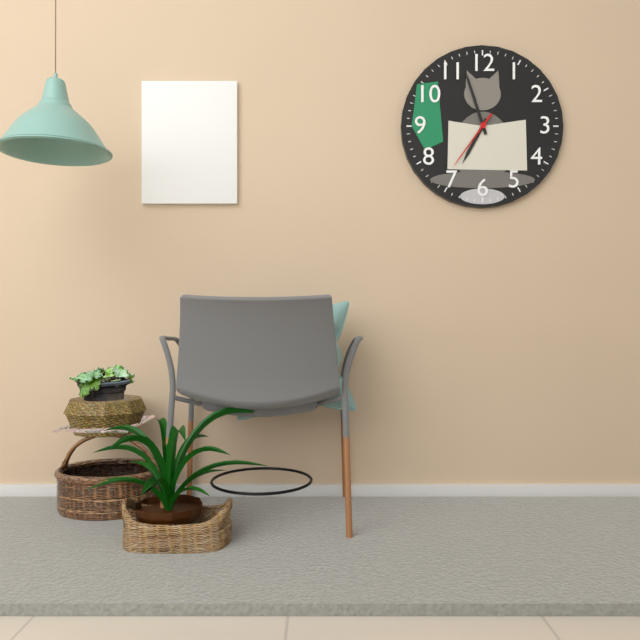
6:57:36
